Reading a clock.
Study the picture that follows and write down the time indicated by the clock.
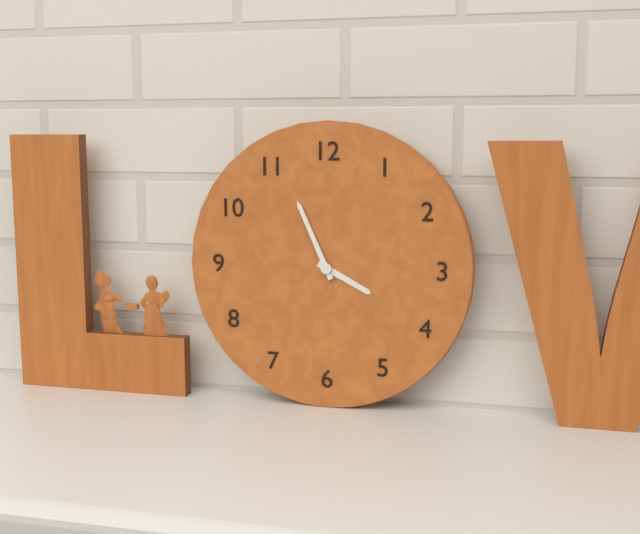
3:56
